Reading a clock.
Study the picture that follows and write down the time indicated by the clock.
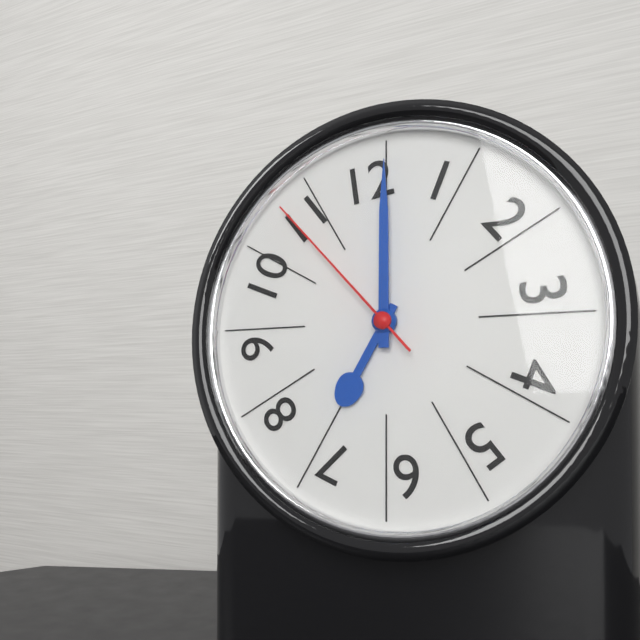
7:00:53
